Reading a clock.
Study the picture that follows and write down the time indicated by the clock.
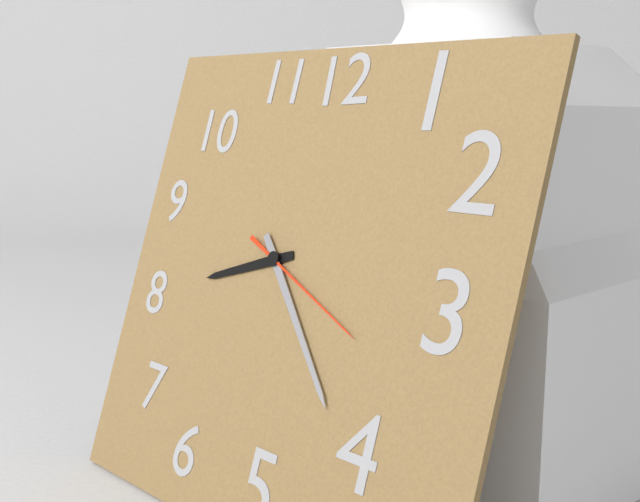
8:23:19
